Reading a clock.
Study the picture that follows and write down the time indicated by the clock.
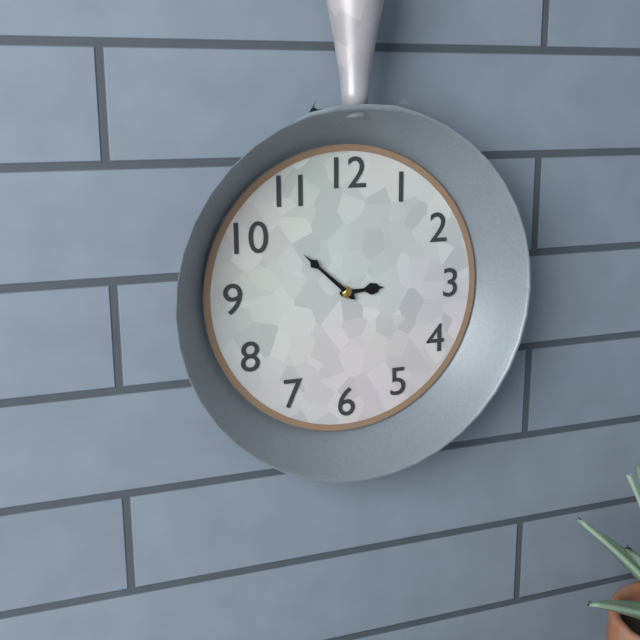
2:52
